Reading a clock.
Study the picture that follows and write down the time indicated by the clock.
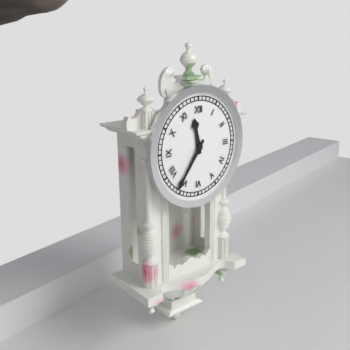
11:36
